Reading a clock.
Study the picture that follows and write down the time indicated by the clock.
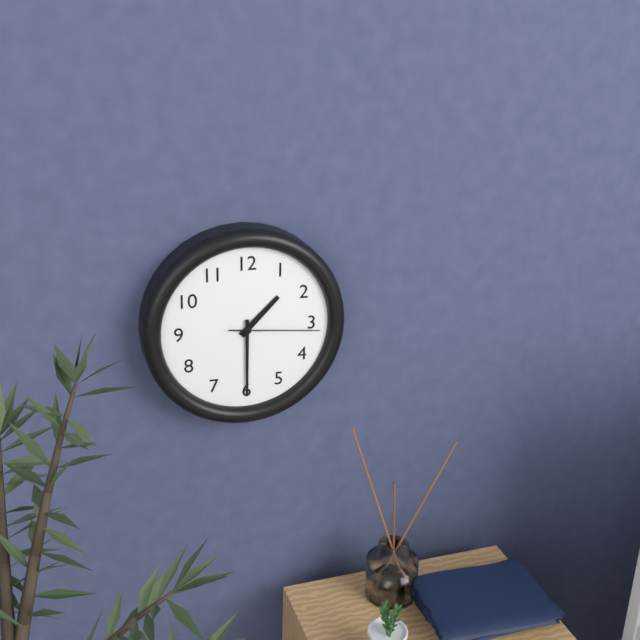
1:30:16
